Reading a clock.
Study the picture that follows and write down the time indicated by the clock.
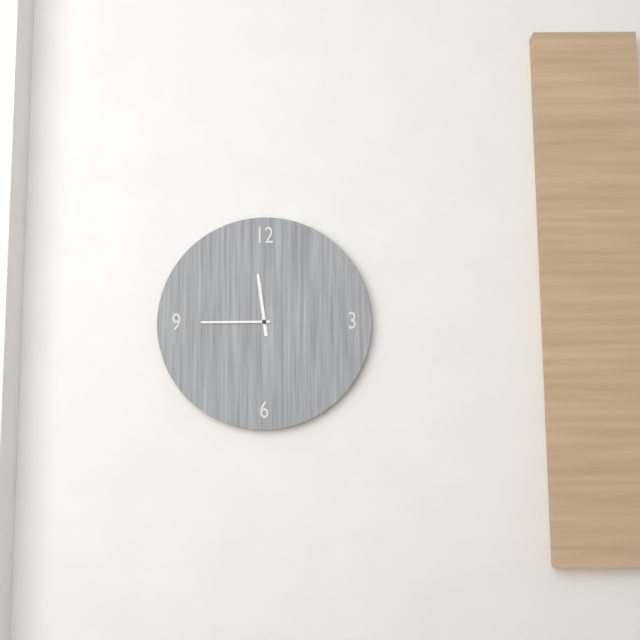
11:45
